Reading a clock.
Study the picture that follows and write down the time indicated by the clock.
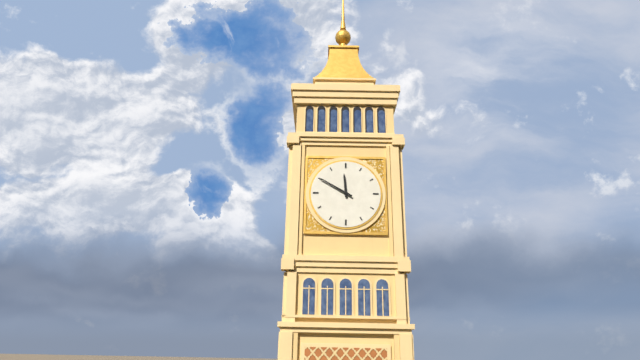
11:50
